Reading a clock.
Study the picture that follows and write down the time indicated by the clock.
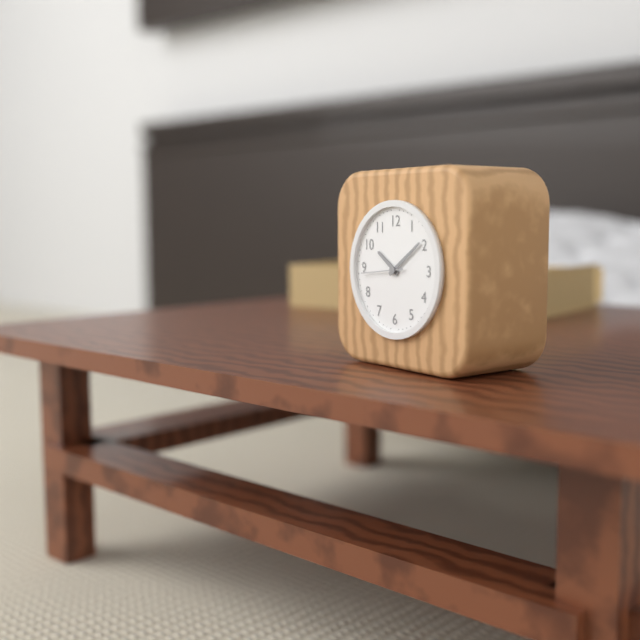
10:09
